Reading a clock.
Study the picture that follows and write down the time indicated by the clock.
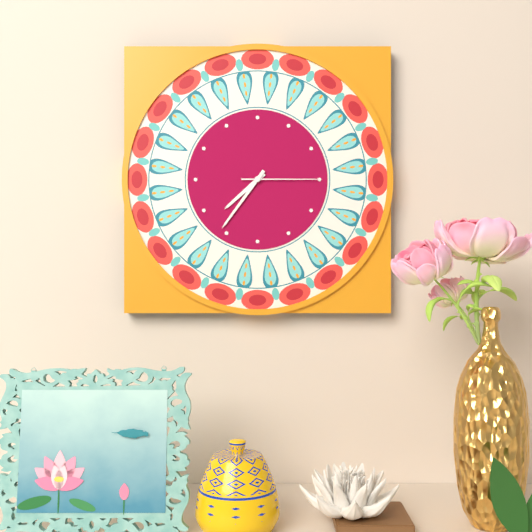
7:36:15
